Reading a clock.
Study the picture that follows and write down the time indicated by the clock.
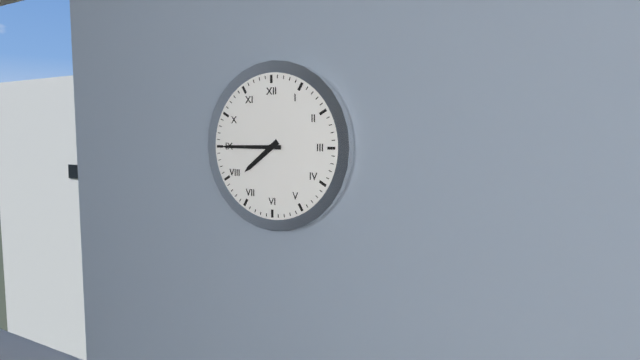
7:45
